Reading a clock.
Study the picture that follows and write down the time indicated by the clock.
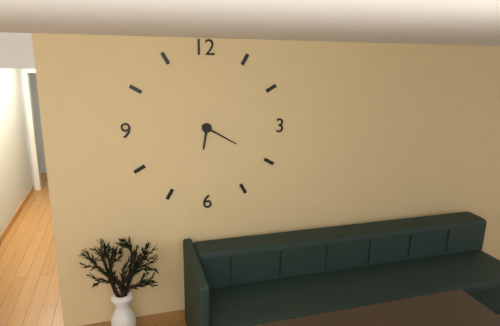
6:20
